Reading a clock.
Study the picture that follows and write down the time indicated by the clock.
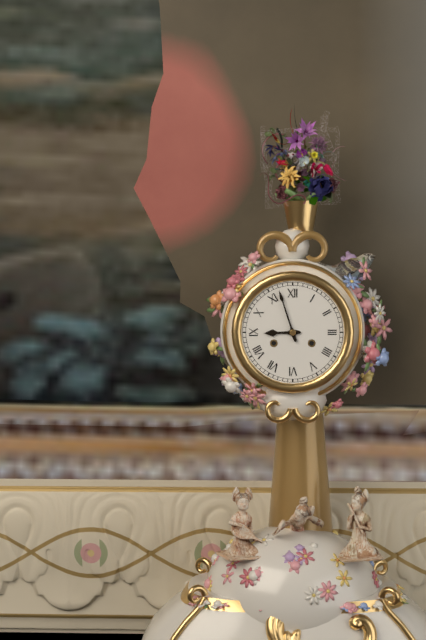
8:57
